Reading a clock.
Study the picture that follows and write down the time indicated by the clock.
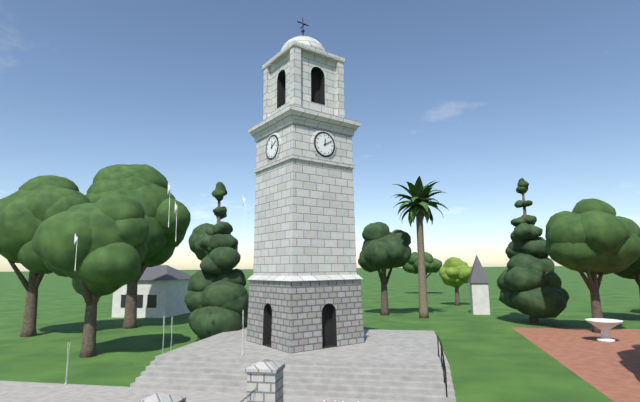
12:10
